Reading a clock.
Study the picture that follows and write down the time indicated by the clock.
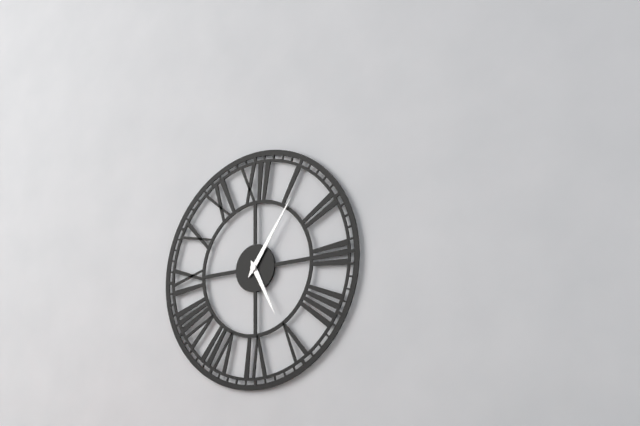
5:06
